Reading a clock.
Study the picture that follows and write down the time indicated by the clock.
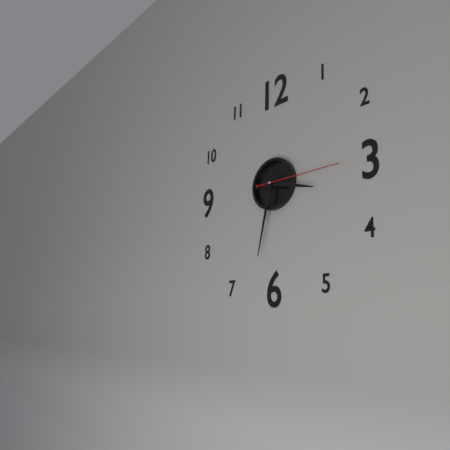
3:32:15
